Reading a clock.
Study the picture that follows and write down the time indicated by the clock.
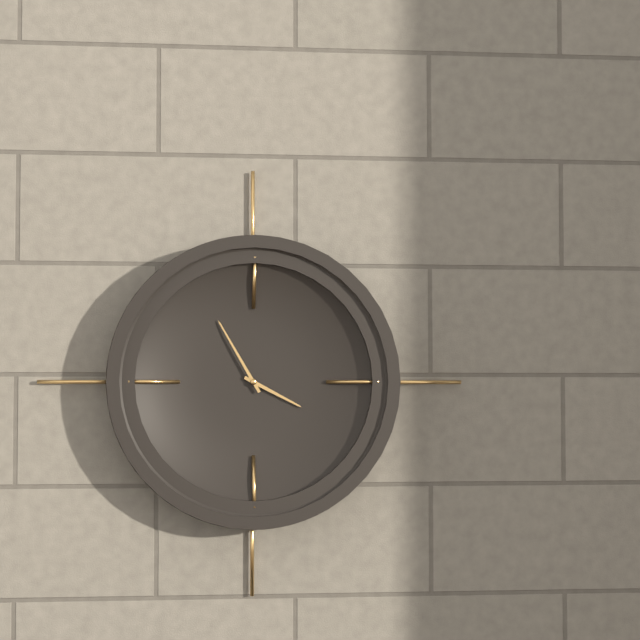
3:55
